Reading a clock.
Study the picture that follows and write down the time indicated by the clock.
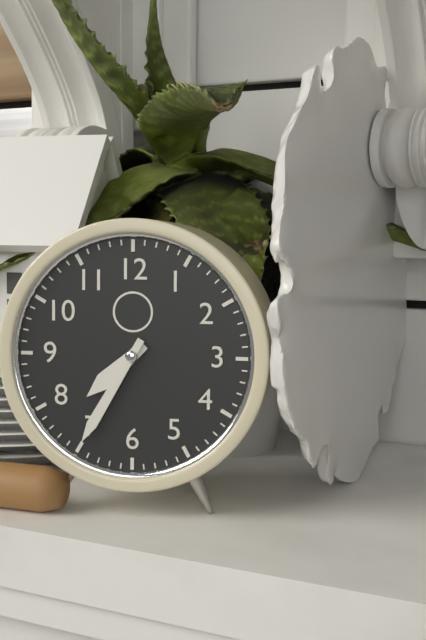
7:35
